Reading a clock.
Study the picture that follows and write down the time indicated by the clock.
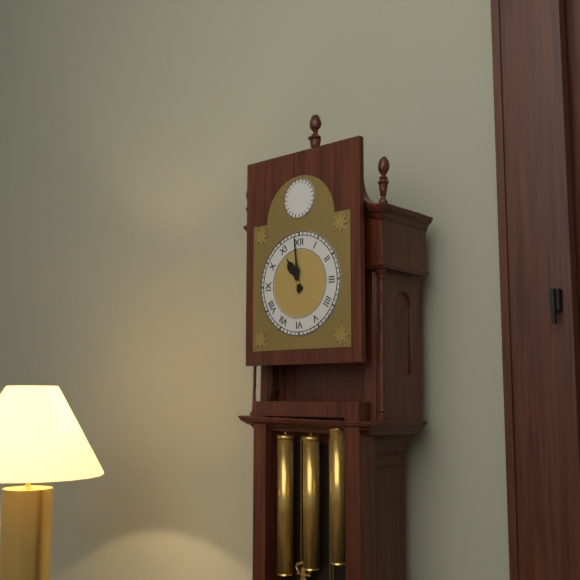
10:59
